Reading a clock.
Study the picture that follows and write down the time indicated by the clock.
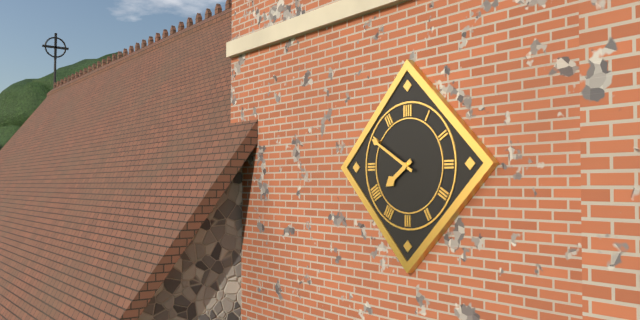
7:50
